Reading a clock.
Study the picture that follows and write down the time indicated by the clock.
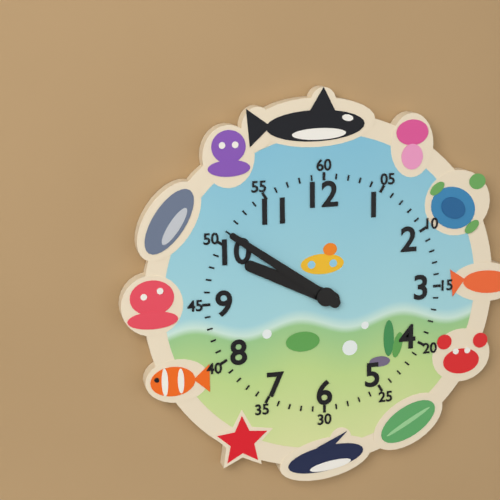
9:51
